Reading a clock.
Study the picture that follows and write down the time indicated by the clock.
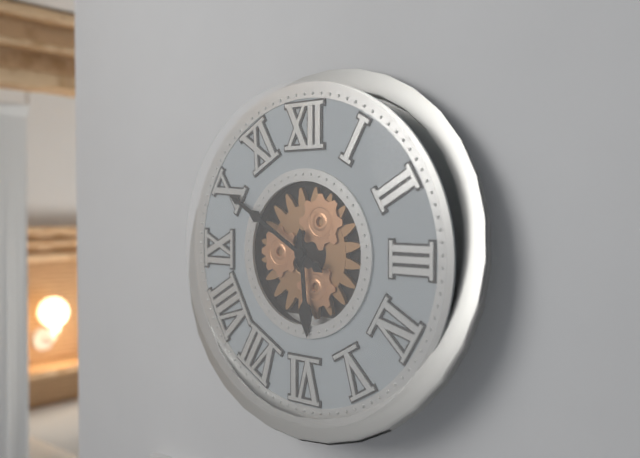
5:50
